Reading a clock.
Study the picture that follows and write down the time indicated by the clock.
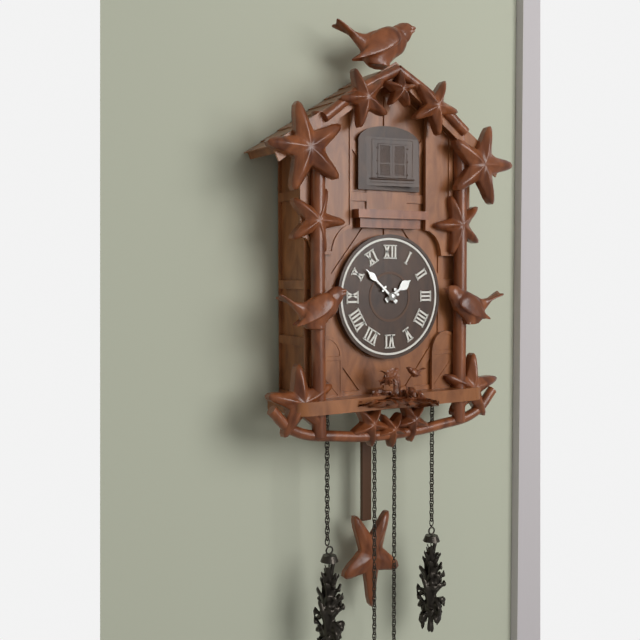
1:52
